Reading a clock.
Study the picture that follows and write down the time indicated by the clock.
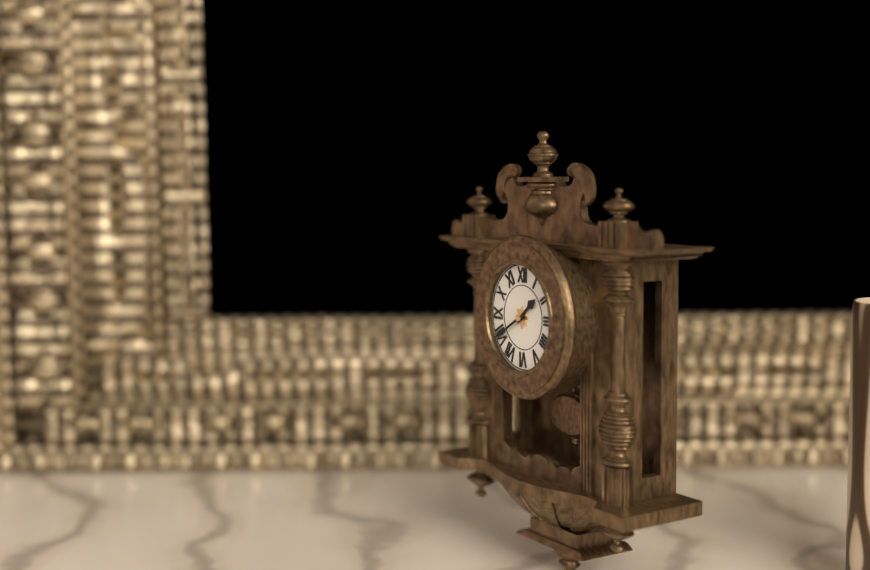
1:40
